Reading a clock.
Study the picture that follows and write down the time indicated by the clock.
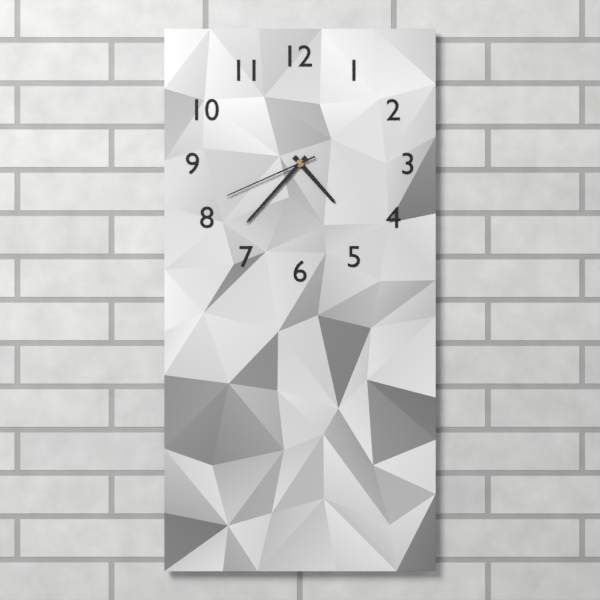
4:37:41
